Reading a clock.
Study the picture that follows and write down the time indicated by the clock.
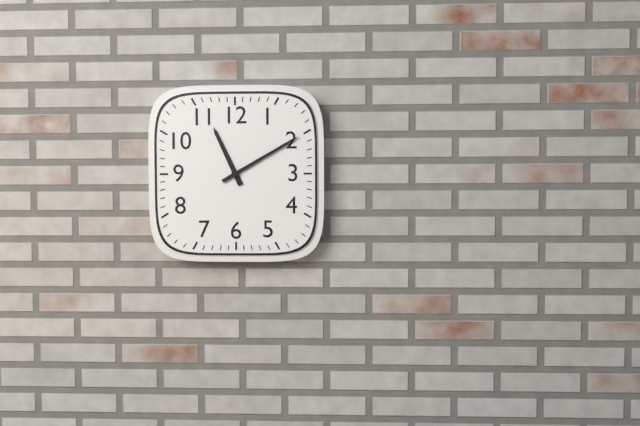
11:10
